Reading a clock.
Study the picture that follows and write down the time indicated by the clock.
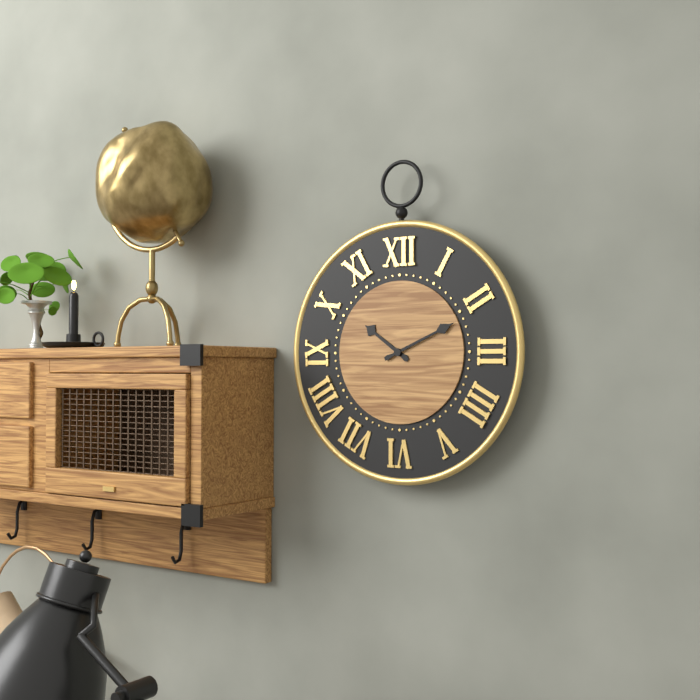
10:11
